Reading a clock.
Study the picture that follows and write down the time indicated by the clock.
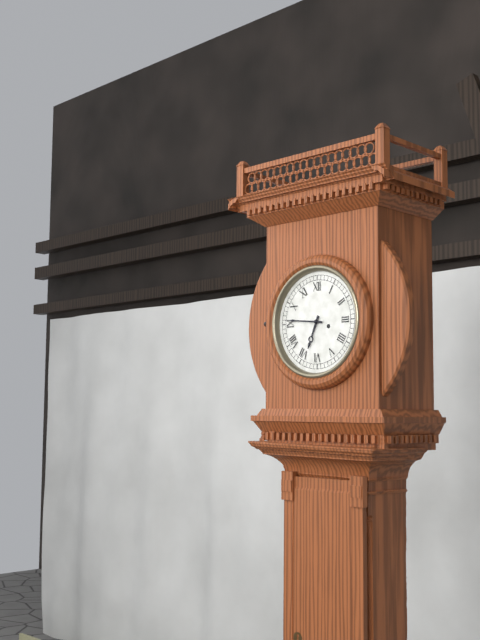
6:46
